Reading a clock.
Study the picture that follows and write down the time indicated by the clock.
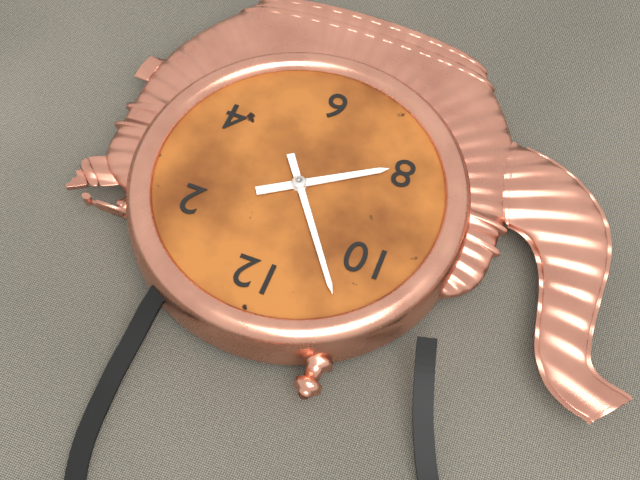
7:54
